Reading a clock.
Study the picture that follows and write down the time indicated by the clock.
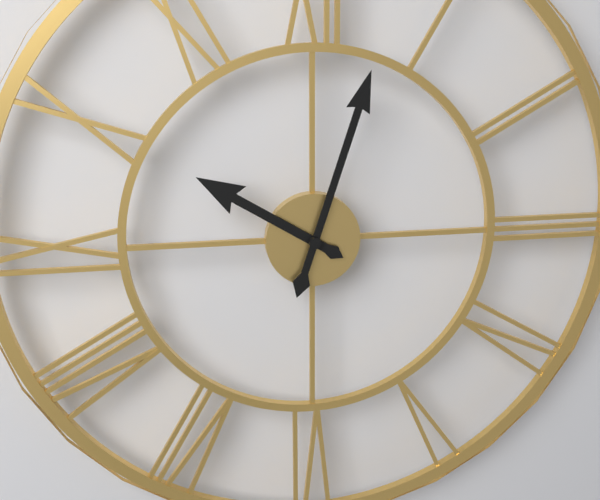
10:03
